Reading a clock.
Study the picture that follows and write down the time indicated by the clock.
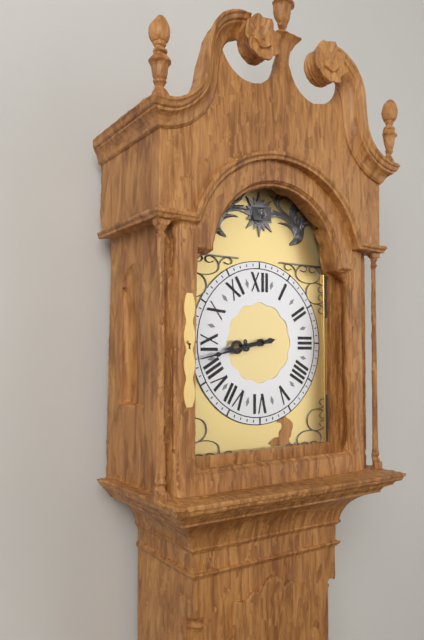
8:43
